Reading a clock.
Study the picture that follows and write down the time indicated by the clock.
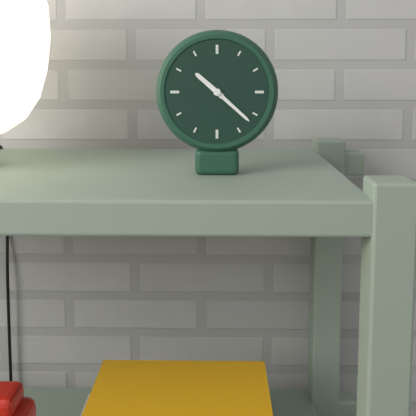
10:22
